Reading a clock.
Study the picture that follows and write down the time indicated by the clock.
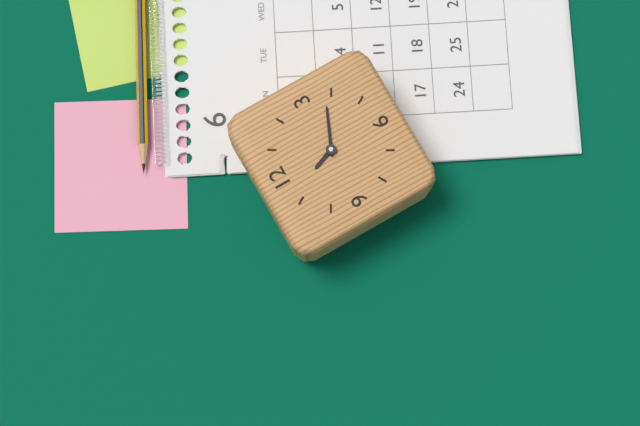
11:19
